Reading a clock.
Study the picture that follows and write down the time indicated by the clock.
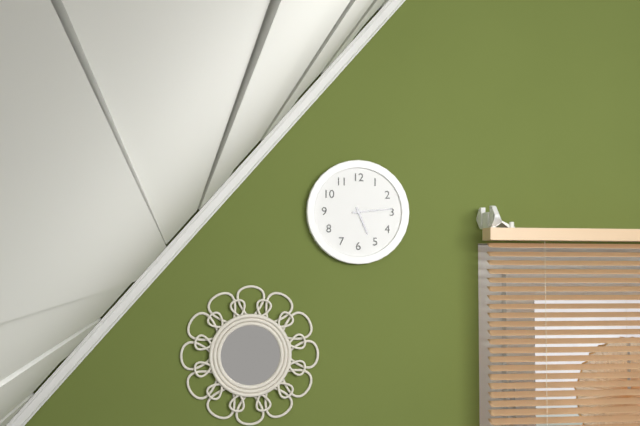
5:14
